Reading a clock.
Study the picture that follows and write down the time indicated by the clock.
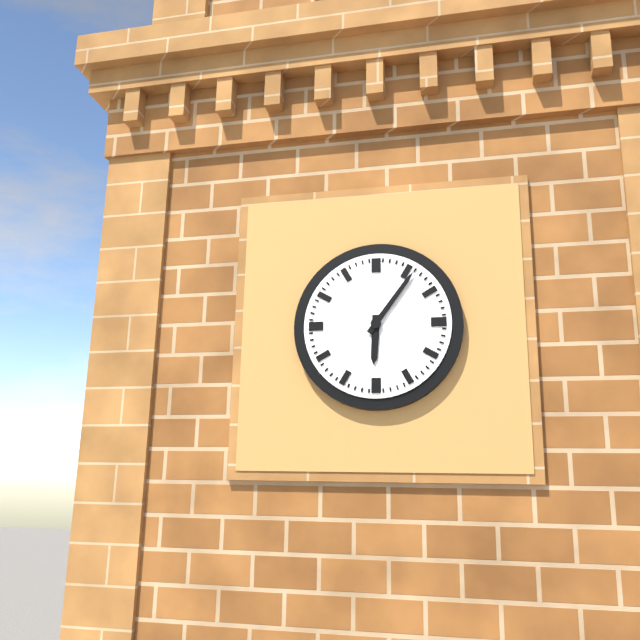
6:06
